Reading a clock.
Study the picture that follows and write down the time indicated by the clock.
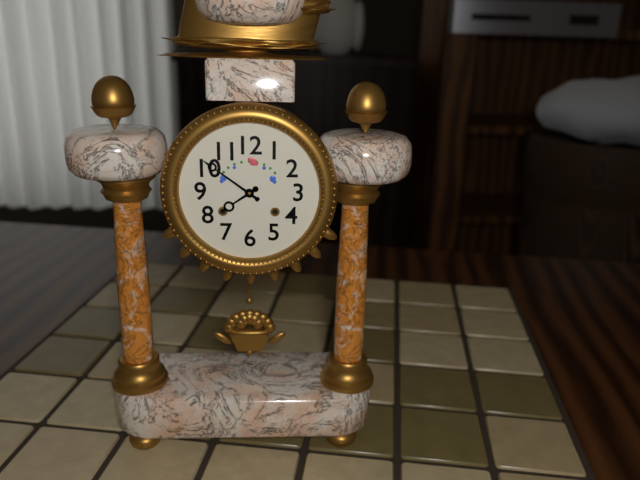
7:51
